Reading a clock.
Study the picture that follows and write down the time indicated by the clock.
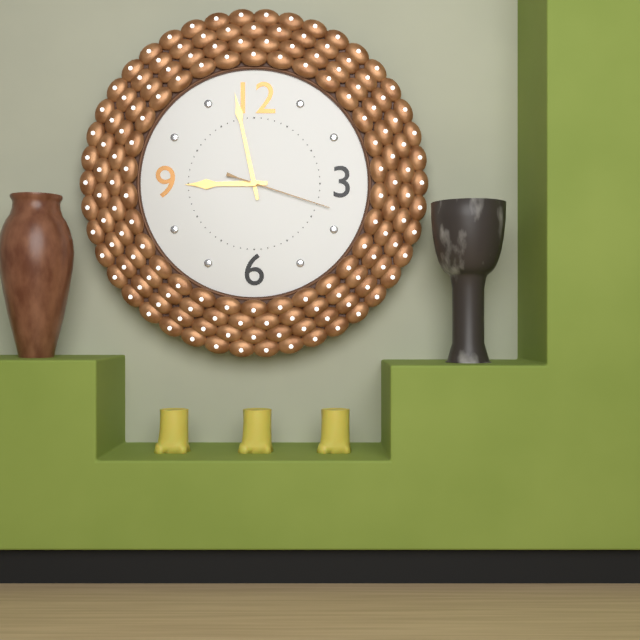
8:58:18
